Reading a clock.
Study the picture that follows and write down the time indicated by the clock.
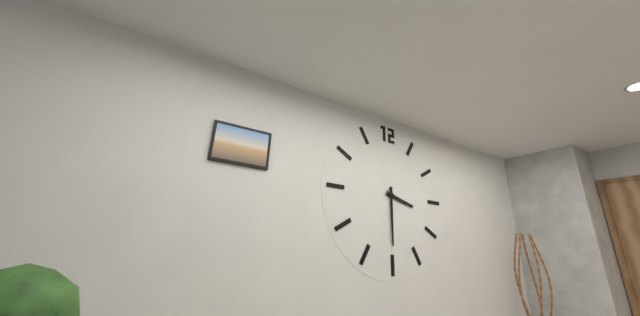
3:30
